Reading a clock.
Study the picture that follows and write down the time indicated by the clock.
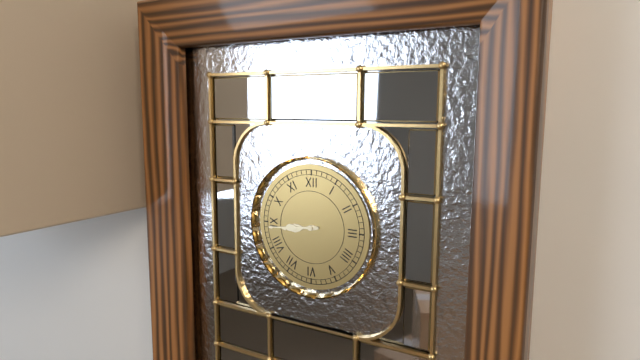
8:44
